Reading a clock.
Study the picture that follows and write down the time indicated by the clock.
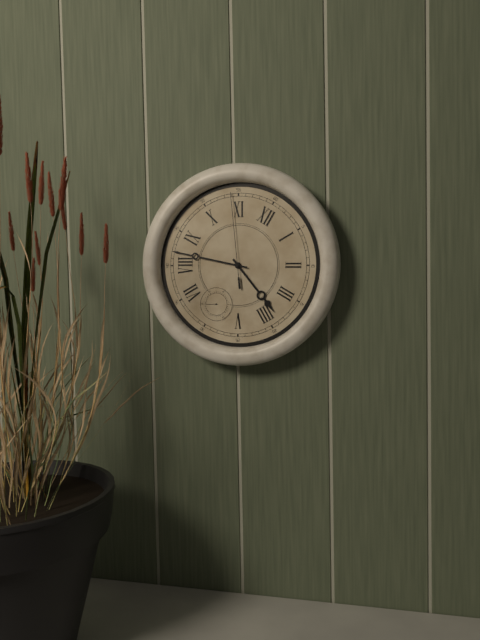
3:42:54
